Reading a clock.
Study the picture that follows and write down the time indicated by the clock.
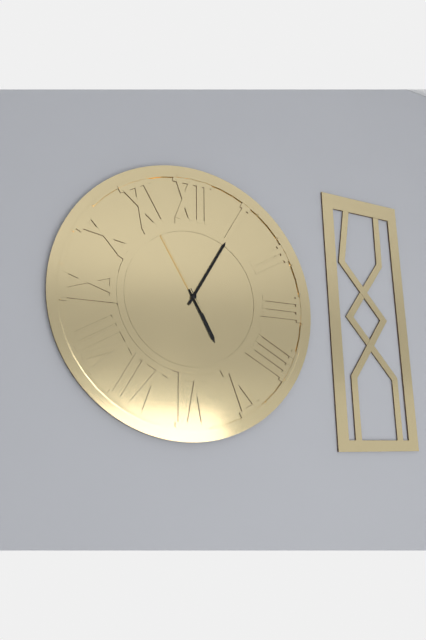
5:05:55
